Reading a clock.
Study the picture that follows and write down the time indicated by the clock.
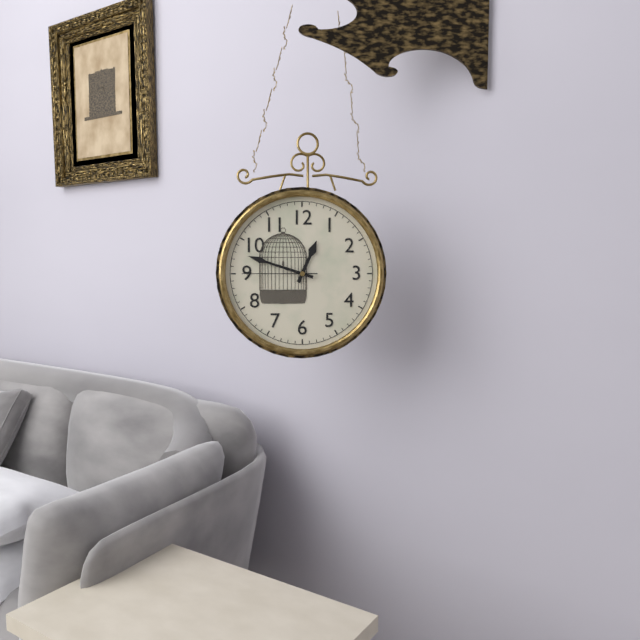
12:48:45
